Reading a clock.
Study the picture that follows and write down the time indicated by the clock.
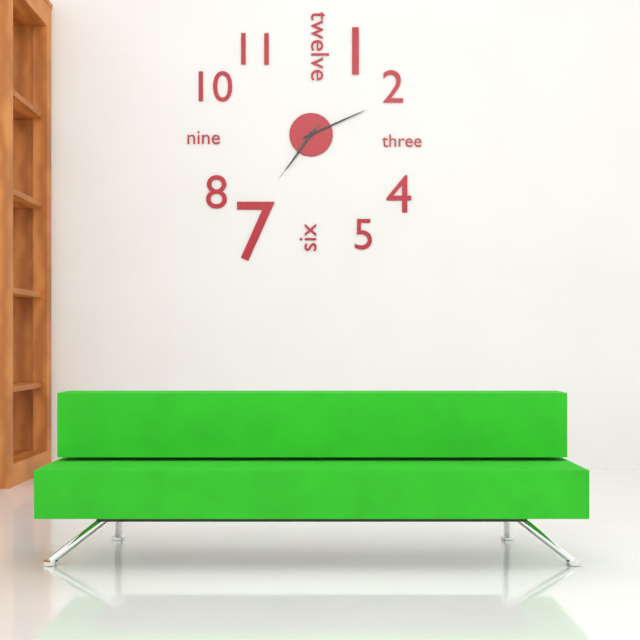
7:11:36
